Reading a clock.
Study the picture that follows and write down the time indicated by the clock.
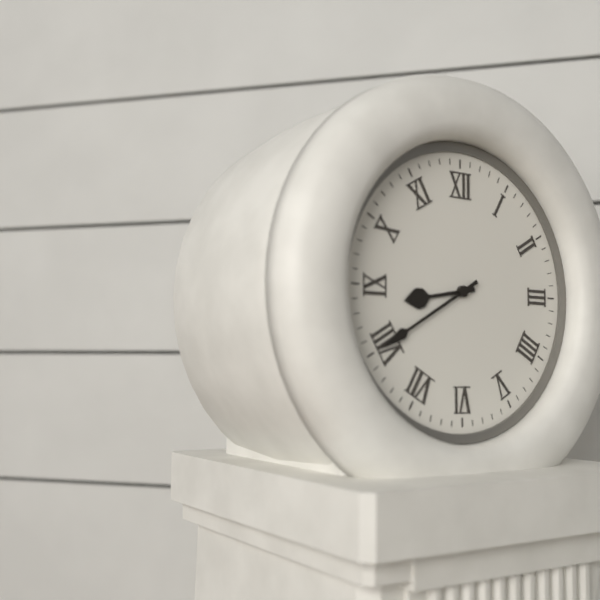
8:40
